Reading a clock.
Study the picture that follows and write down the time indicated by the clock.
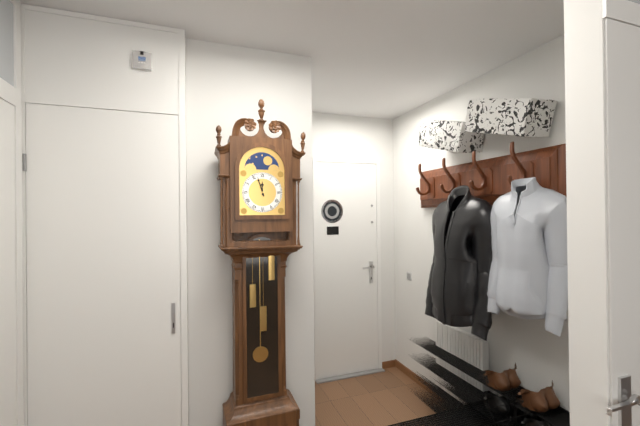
11:57
